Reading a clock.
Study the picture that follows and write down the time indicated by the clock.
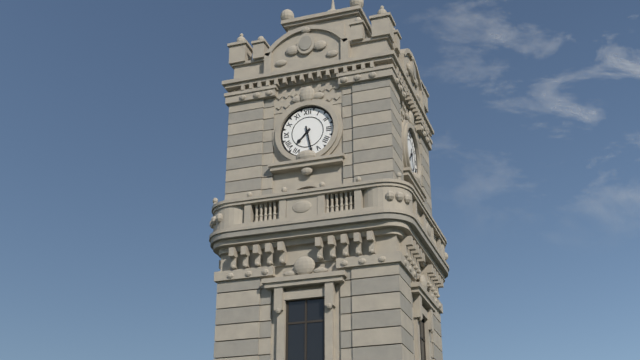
7:28
